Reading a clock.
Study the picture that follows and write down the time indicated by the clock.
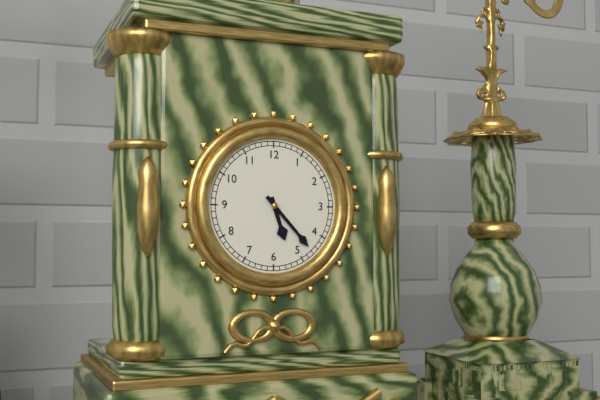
5:23
